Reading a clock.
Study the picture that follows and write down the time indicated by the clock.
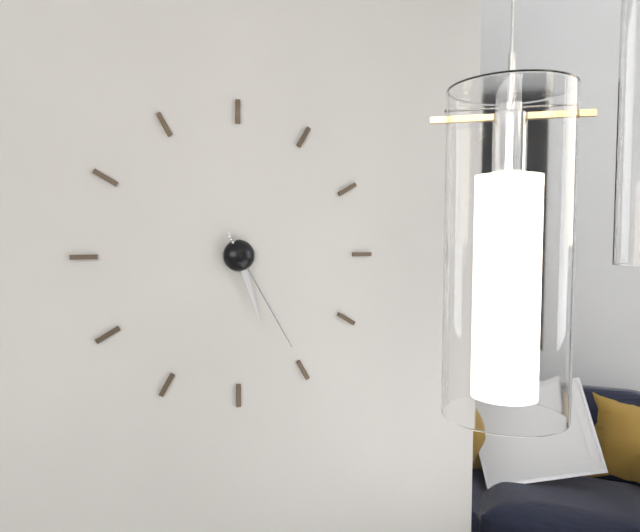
5:25
